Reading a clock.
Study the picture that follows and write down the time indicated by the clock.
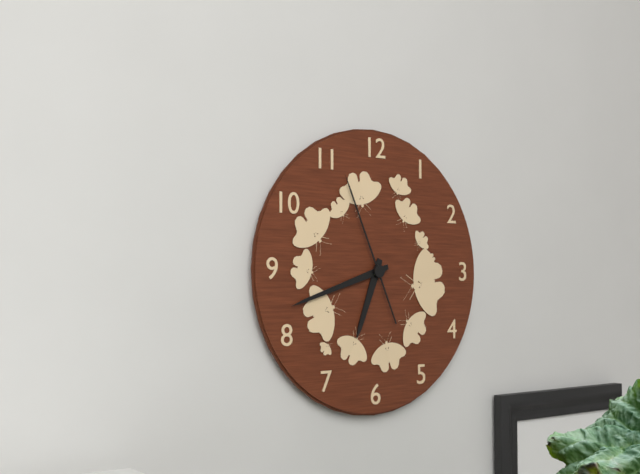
6:42:56
